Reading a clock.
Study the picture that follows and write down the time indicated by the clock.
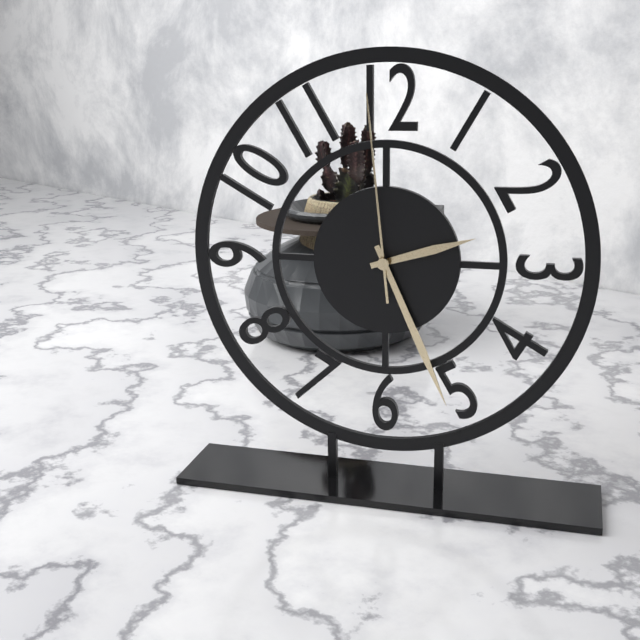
2:26:59
